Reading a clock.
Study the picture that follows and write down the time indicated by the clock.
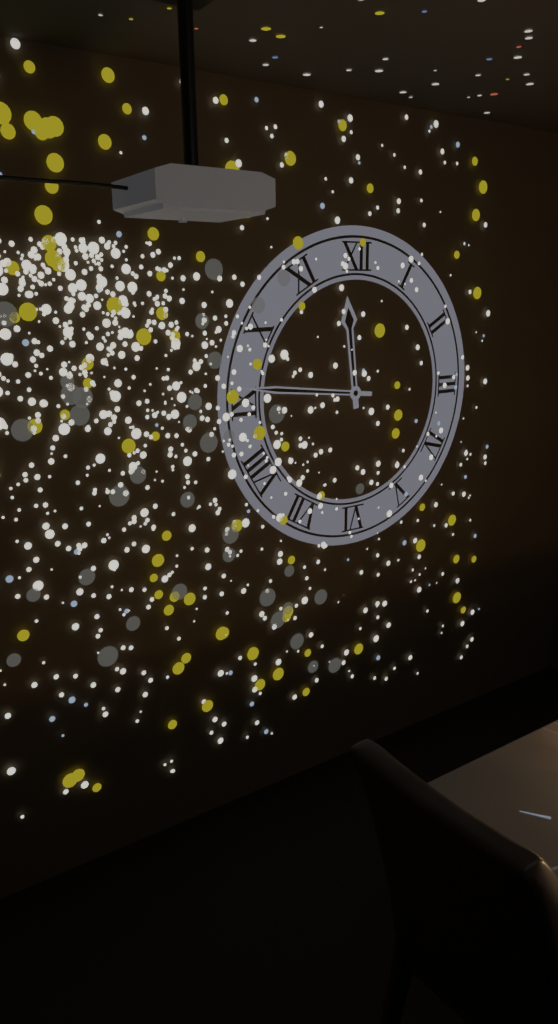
11:46
